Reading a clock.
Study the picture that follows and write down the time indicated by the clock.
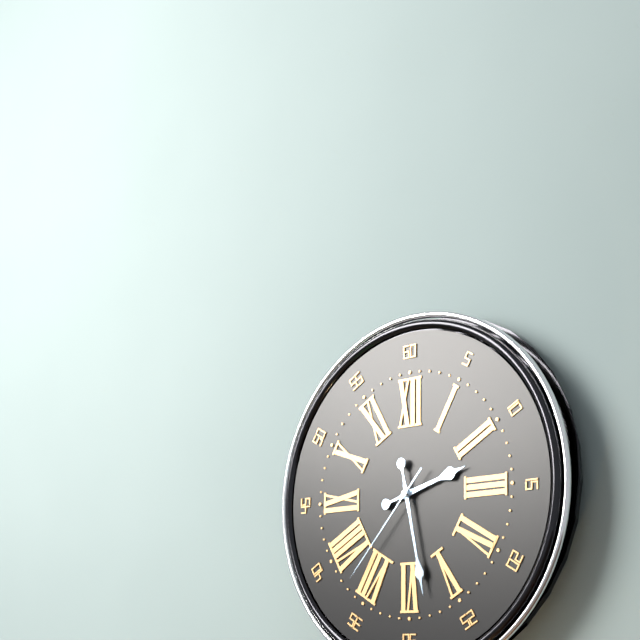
2:28:37
